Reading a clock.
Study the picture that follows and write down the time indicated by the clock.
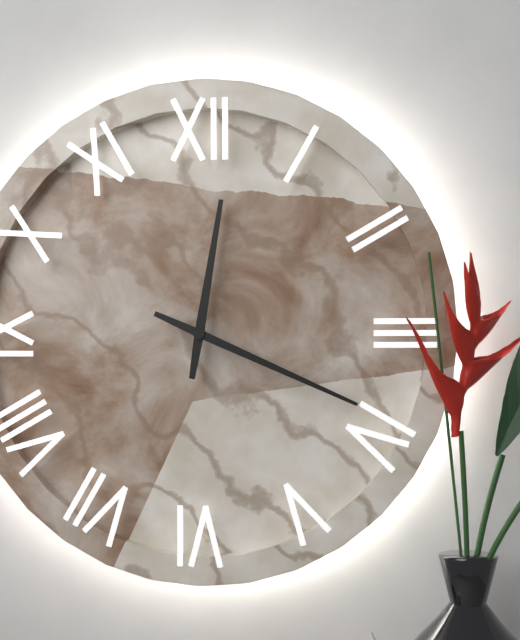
12:19
